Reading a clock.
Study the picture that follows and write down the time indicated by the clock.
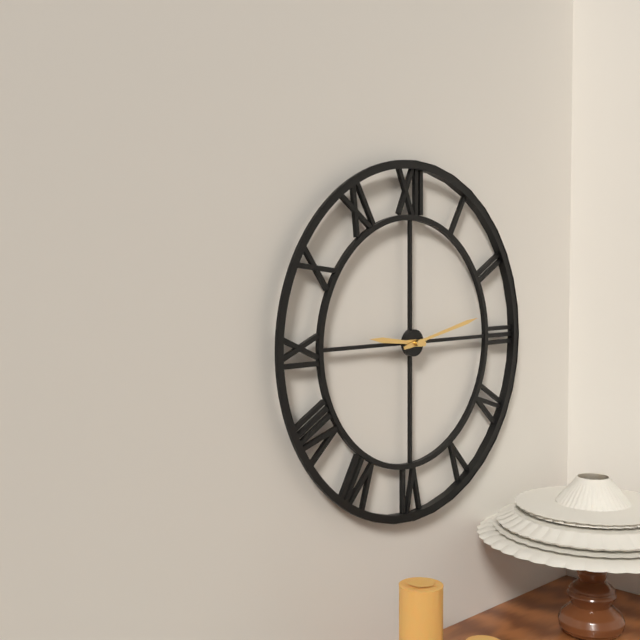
9:13
